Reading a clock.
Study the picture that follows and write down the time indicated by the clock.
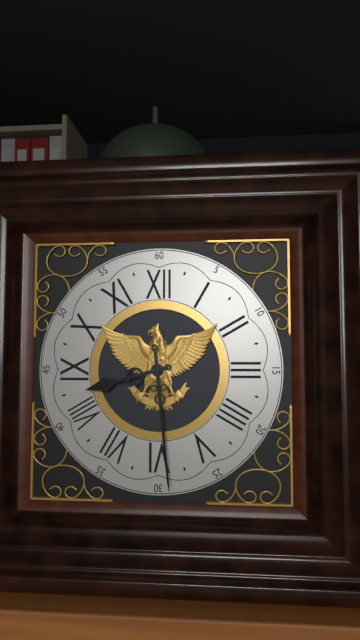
8:29
